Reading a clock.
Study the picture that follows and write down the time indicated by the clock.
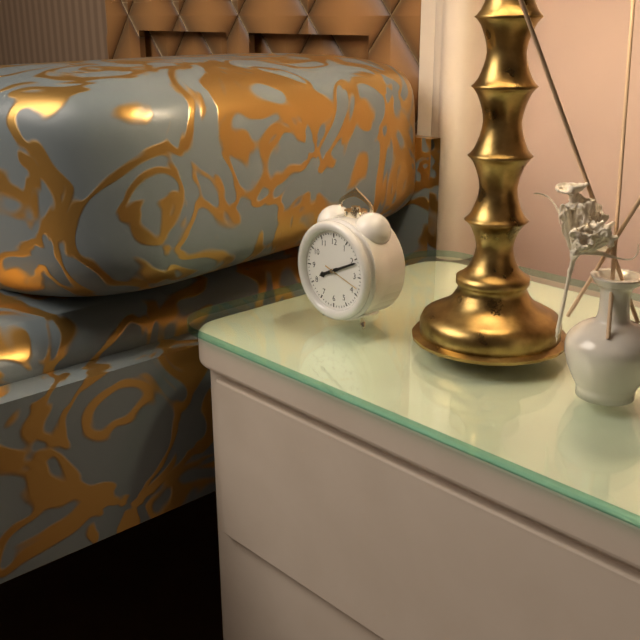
8:11
